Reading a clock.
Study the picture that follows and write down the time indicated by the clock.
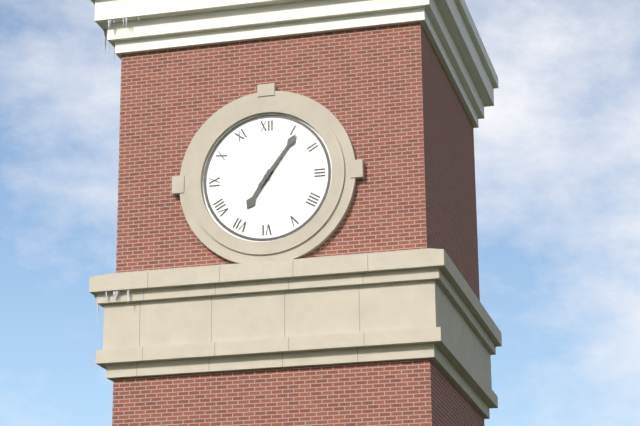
7:06
